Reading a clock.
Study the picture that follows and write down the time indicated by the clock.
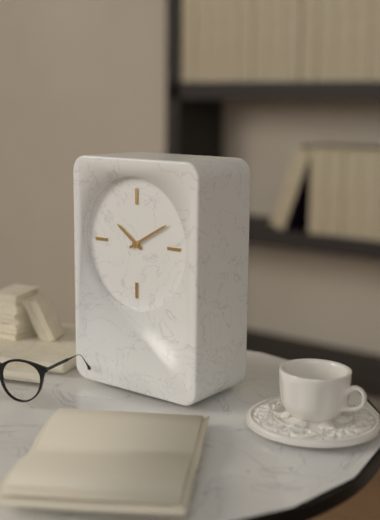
10:10
